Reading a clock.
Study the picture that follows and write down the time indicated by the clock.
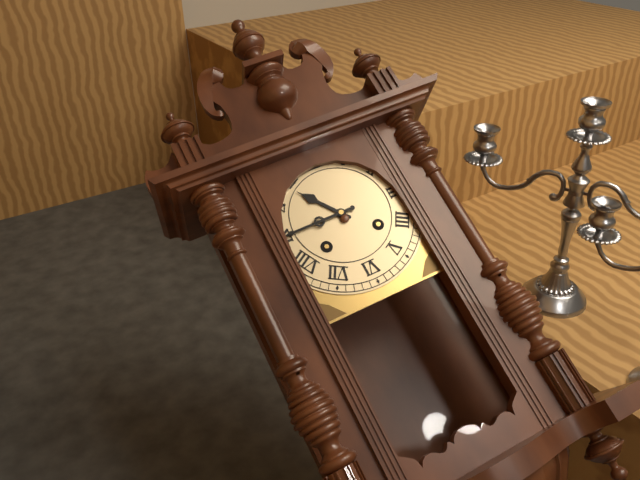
10:45
